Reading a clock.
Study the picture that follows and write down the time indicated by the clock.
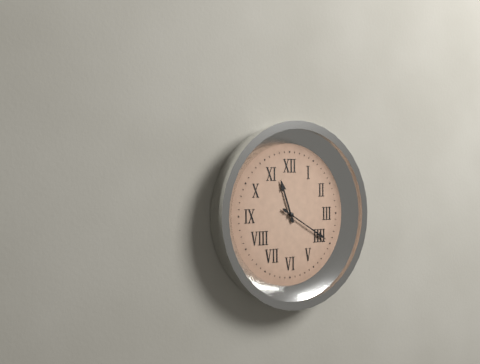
11:20
